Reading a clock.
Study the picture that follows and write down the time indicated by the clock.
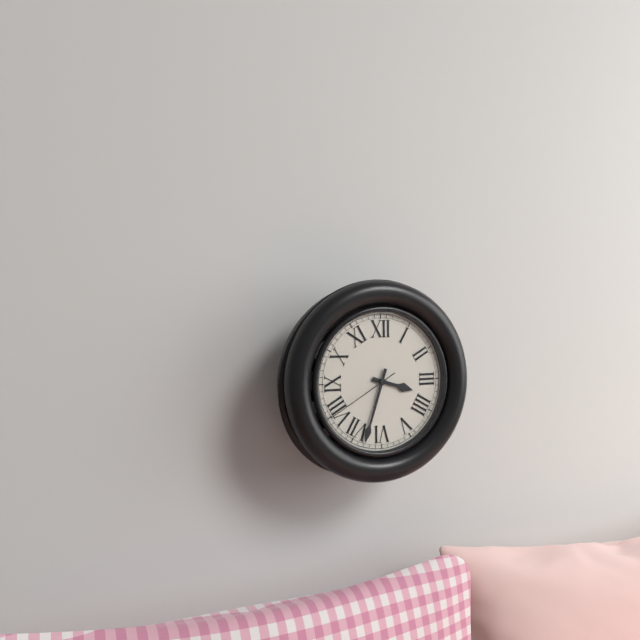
3:33:40
